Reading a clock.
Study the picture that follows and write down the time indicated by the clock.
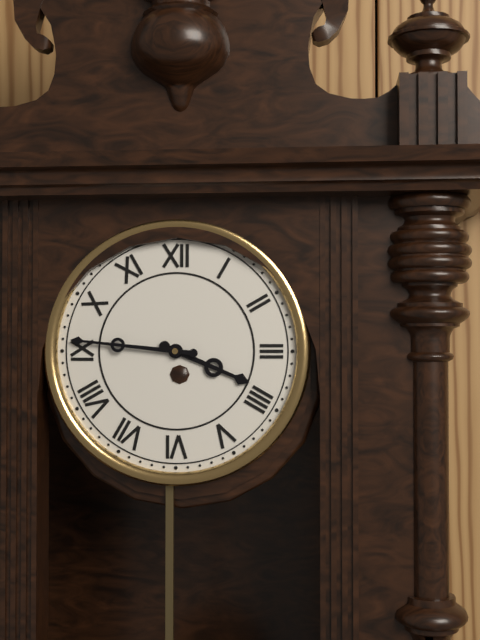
3:46
